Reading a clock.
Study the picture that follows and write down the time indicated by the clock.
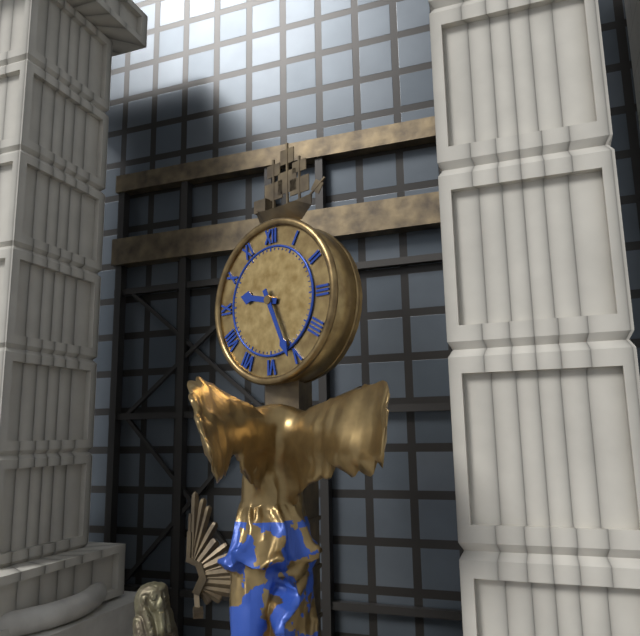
9:26
